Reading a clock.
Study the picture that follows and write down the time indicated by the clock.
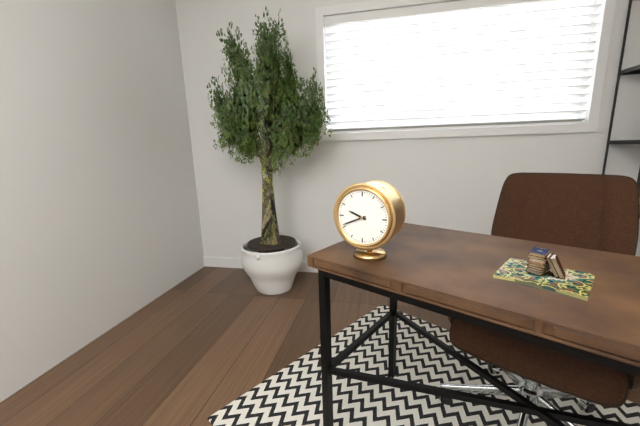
9:41
